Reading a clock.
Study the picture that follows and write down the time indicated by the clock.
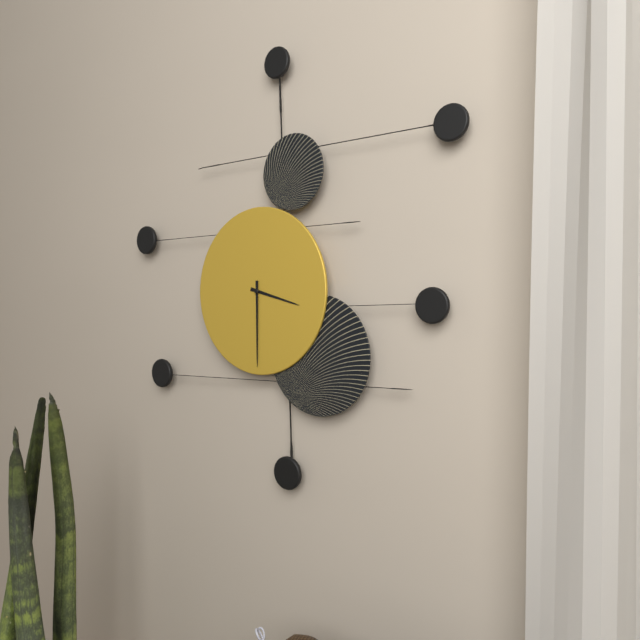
3:30
